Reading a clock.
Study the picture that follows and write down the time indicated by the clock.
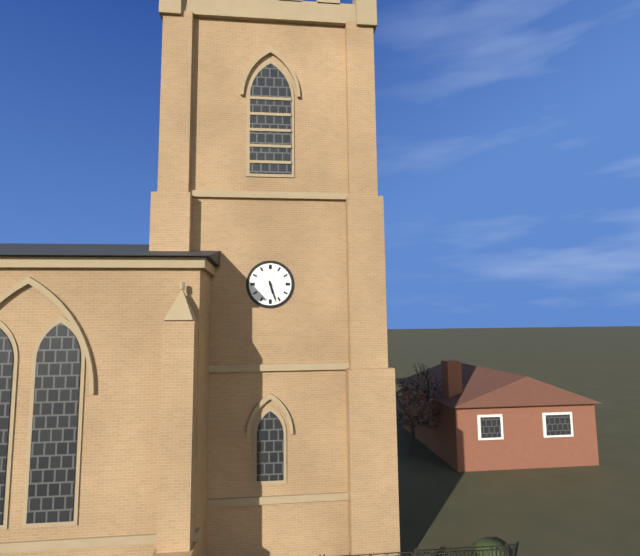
5:27
